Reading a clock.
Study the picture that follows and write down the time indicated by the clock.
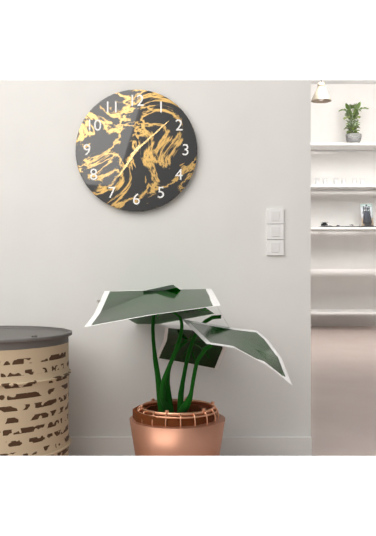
7:08
